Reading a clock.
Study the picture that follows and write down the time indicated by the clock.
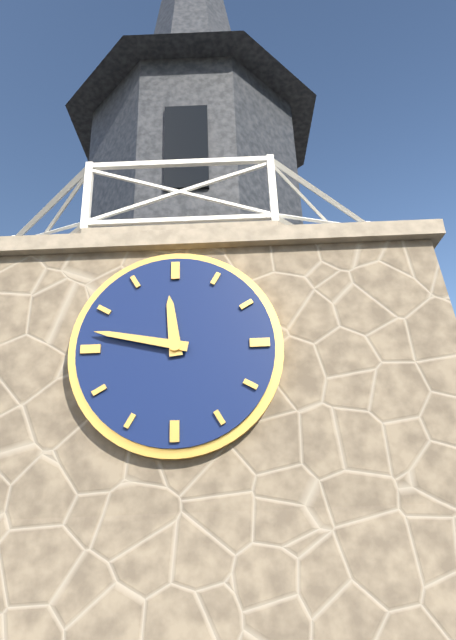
11:47
